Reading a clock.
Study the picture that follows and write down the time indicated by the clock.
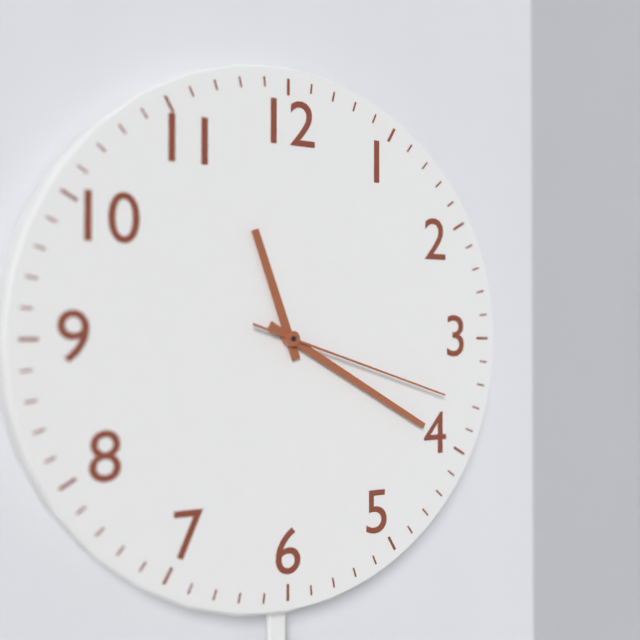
11:20:18
